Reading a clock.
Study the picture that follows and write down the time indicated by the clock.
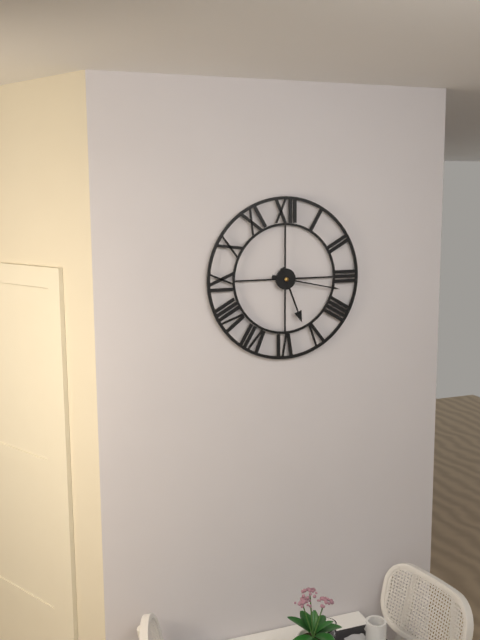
5:17
